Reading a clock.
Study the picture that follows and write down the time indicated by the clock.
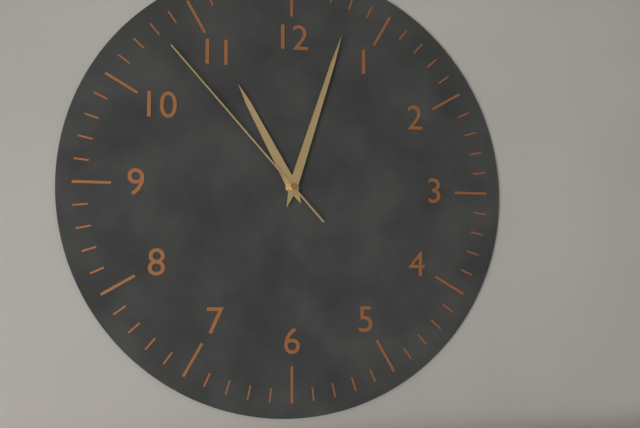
11:03:53
